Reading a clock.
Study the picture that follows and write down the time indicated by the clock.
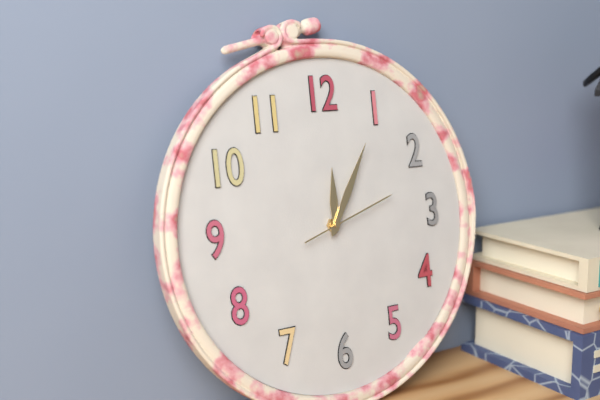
12:05:12
